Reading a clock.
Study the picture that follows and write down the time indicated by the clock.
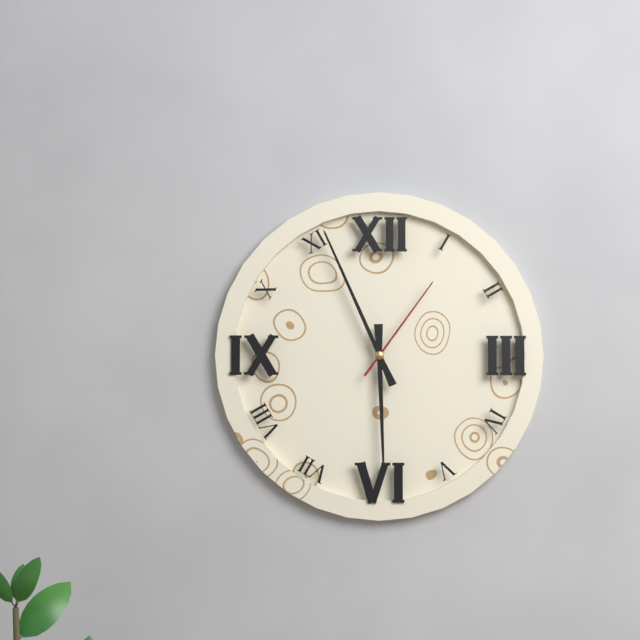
5:56:06
